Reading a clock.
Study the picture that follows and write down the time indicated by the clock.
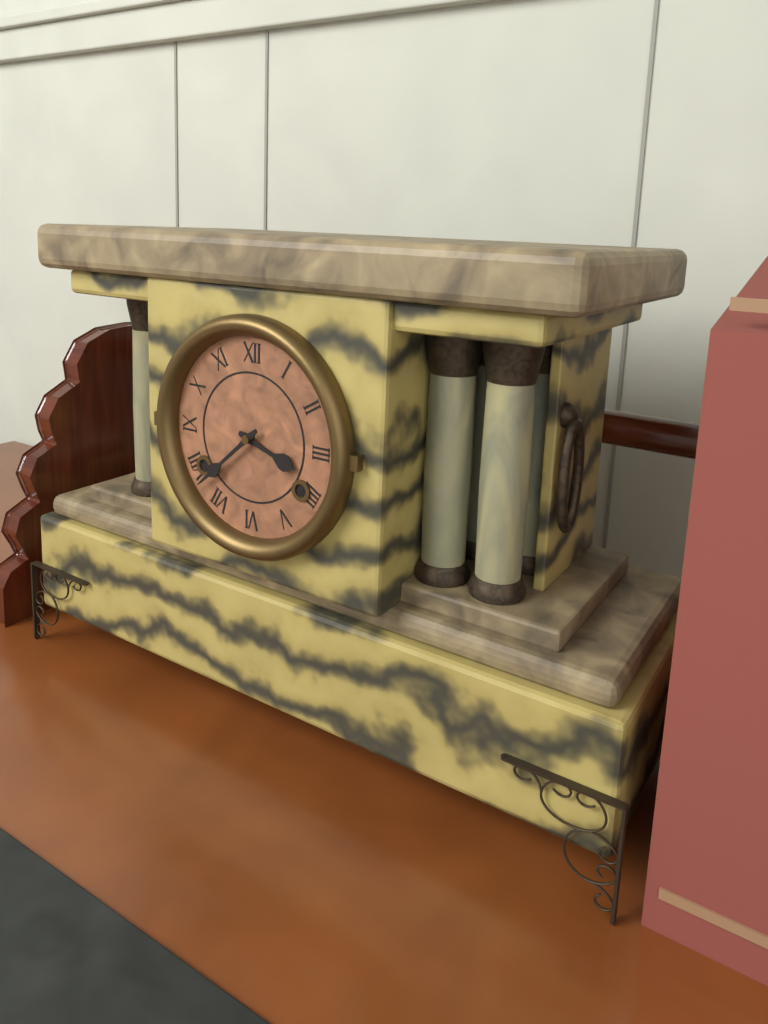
3:38
